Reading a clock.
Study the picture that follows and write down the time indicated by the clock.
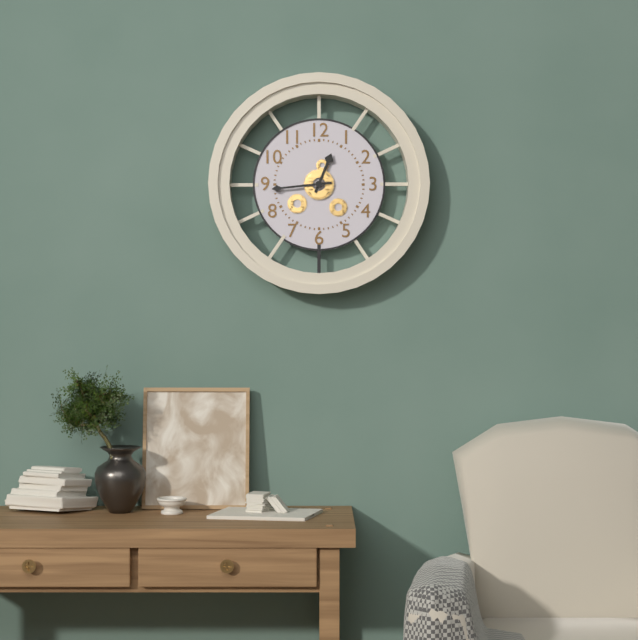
12:44
